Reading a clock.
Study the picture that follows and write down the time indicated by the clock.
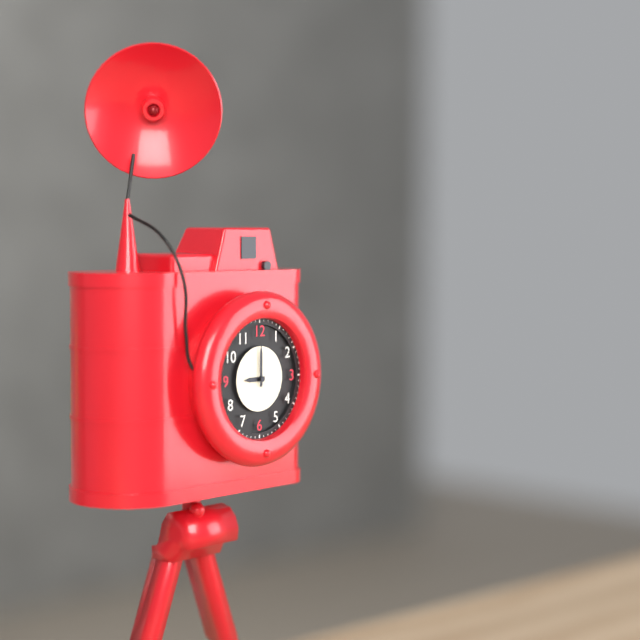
9:00
